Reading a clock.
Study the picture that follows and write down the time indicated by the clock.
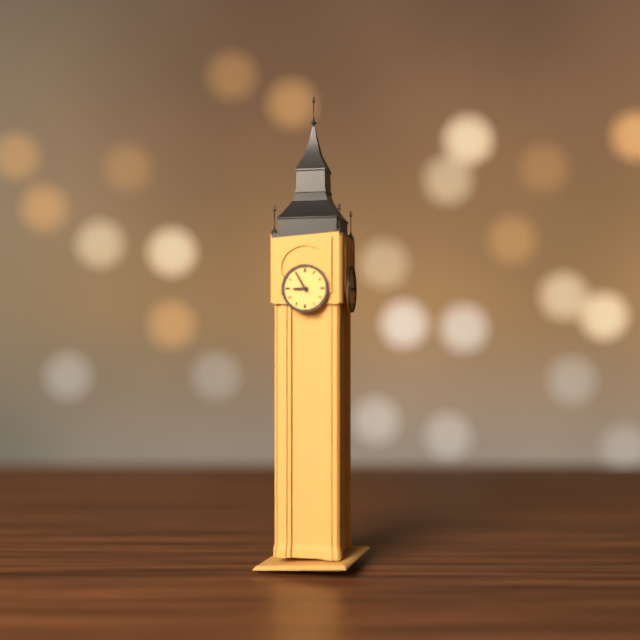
8:55
